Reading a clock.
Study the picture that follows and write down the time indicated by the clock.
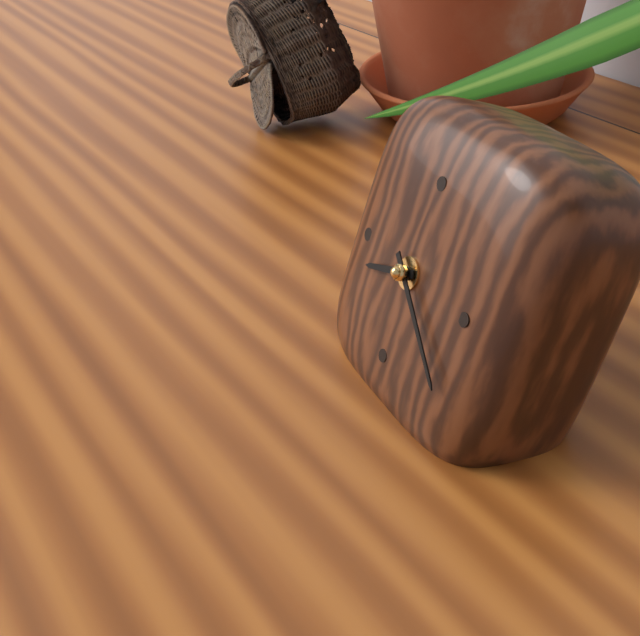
8:21
